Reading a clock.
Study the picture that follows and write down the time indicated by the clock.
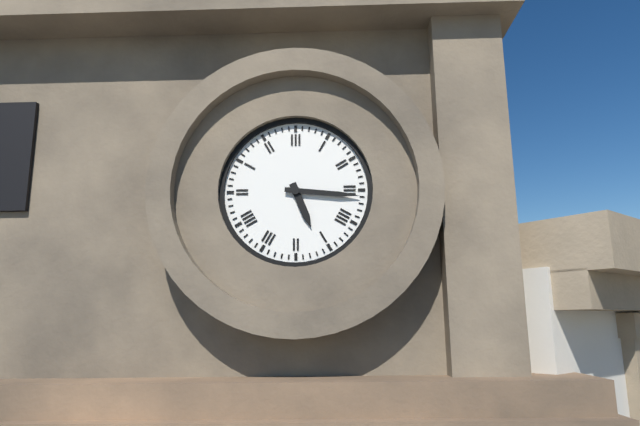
5:16
